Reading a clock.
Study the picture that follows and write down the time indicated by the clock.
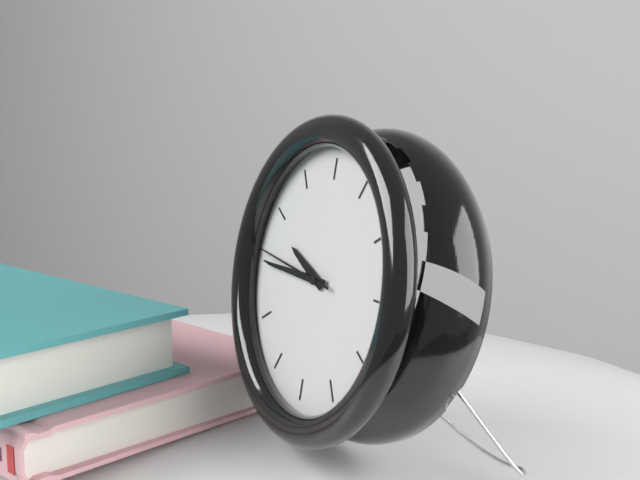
9:45:46
